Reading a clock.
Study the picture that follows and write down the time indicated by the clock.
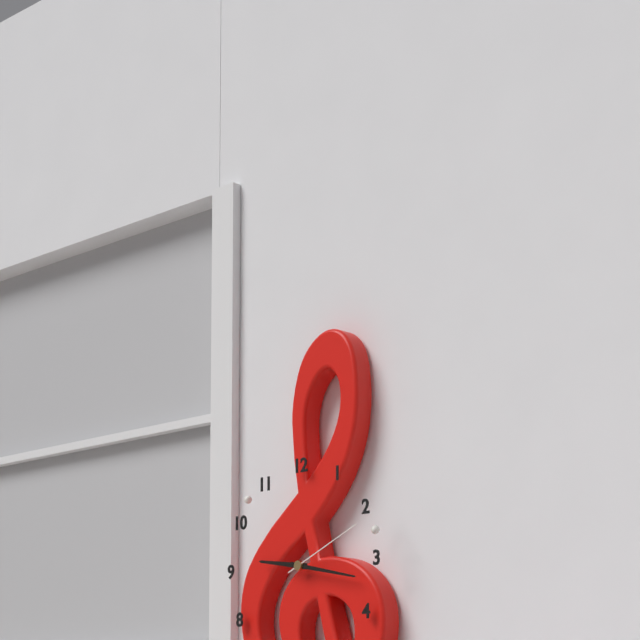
9:17:11
